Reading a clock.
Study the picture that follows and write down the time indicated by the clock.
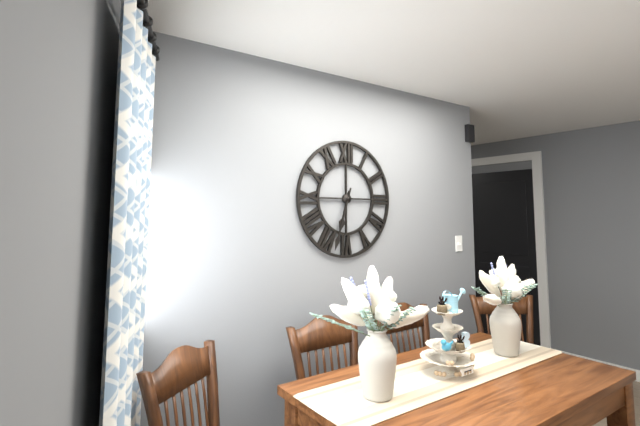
6:33
